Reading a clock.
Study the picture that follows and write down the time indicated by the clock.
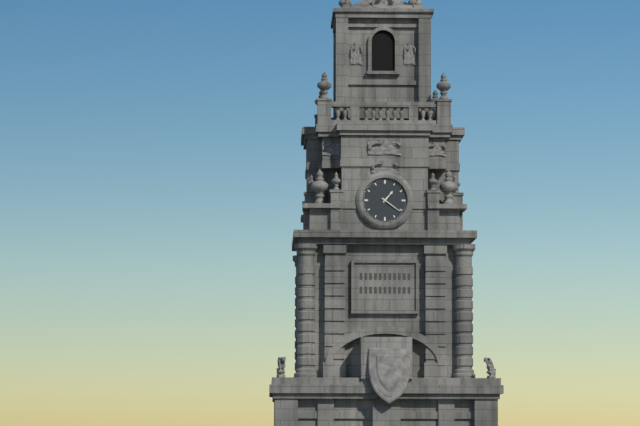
1:21
